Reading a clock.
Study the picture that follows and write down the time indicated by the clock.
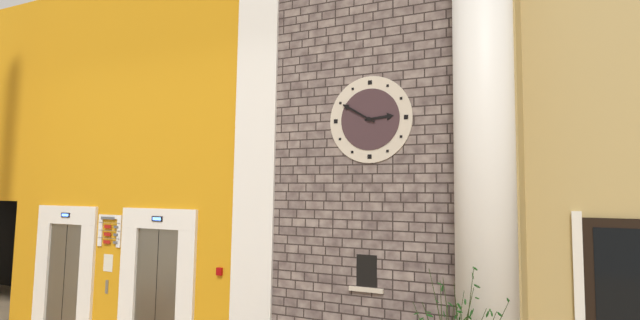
2:50
